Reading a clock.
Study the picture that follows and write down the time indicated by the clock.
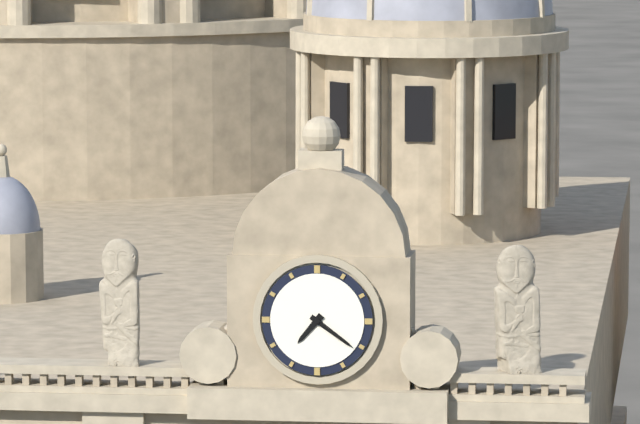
7:21
